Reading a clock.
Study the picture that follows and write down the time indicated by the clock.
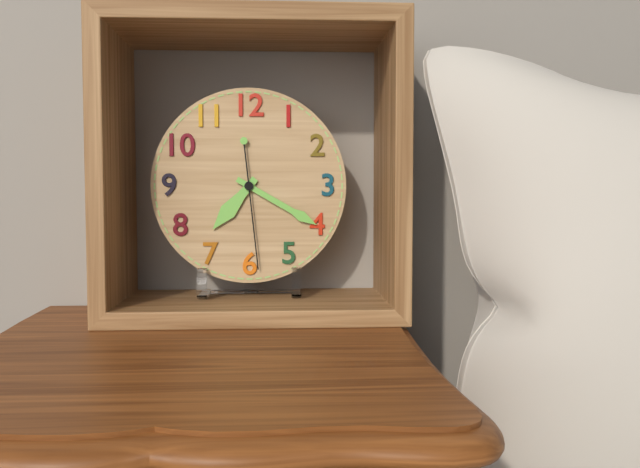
7:20:29
